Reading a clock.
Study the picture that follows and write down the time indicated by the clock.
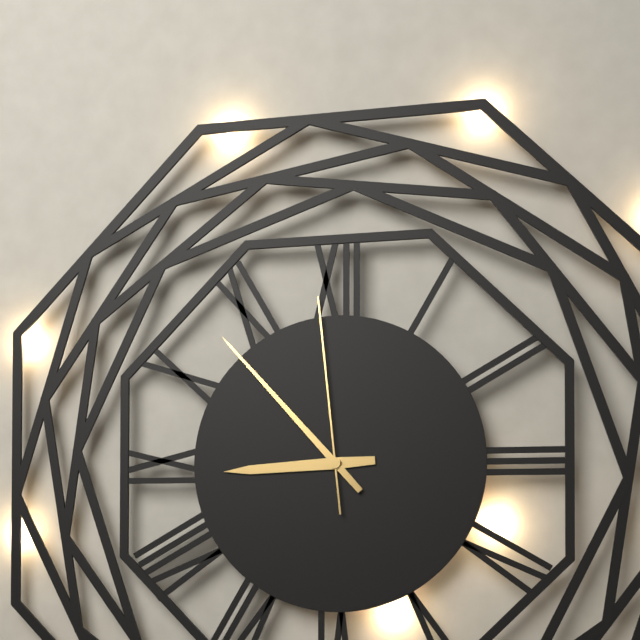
8:53:59
